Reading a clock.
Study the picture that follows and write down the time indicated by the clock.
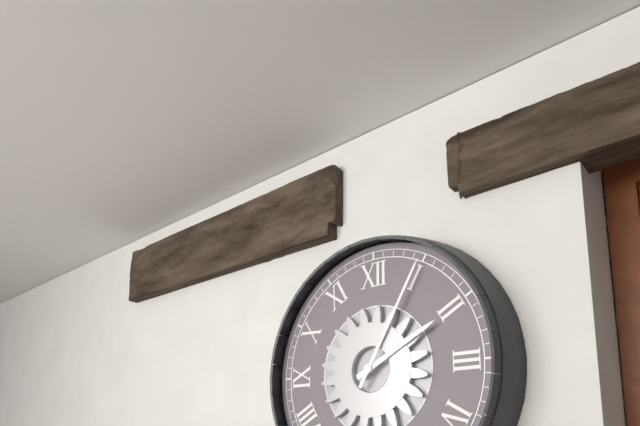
2:05
